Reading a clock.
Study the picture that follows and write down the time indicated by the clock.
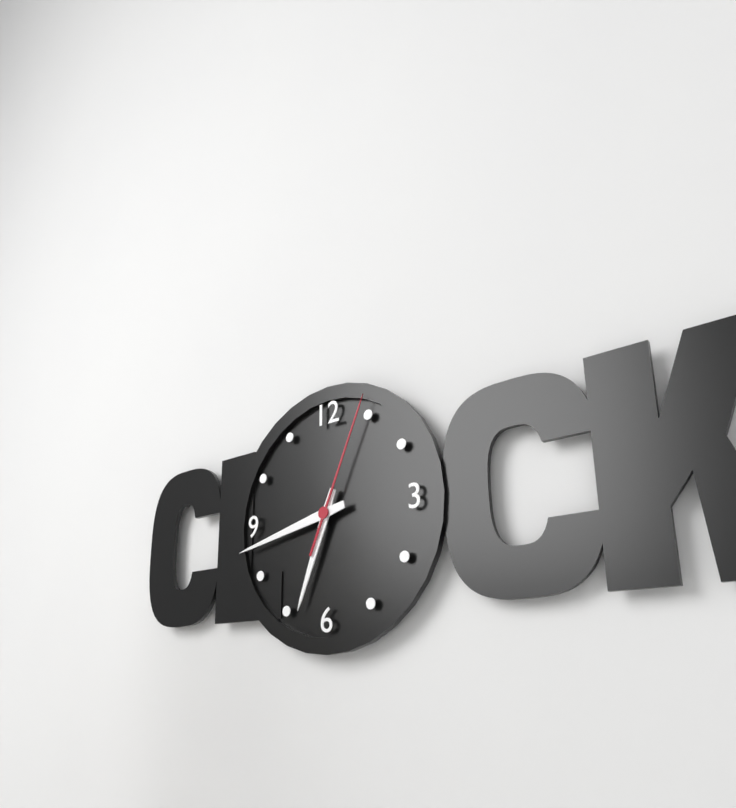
6:43:04
